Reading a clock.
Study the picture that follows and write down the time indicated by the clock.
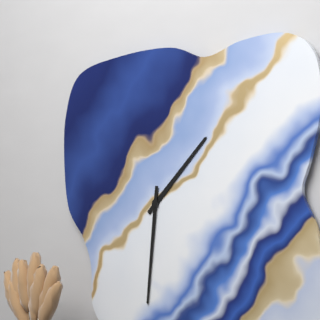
1:31
